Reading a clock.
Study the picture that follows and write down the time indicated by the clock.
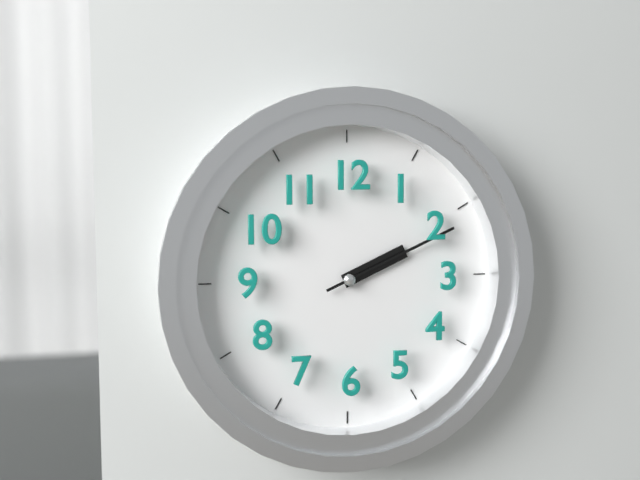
2:11
